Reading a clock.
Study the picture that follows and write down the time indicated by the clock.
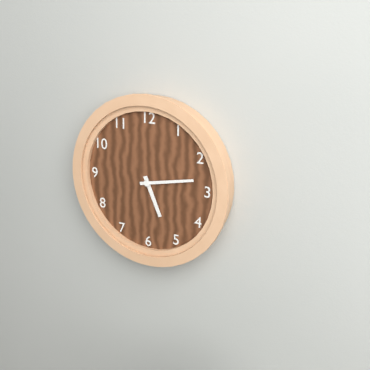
5:13
